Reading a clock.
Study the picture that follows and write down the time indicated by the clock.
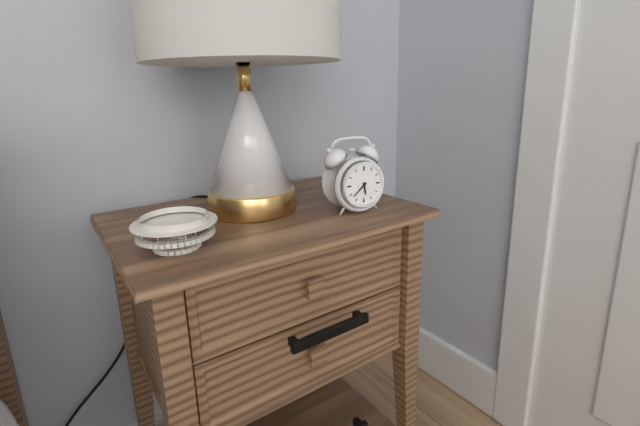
5:38
